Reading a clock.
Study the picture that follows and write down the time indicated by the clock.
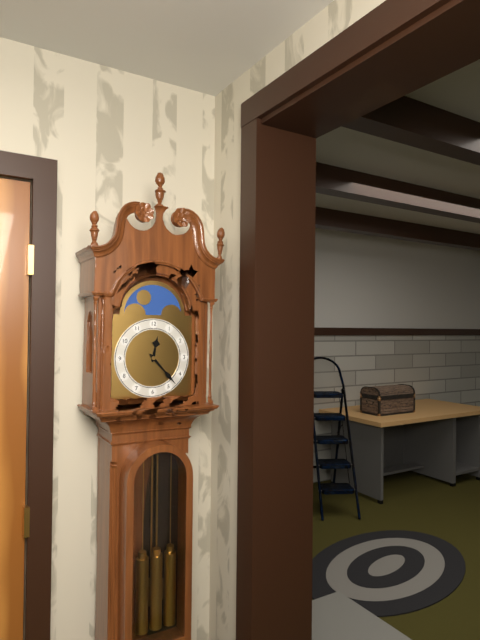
12:23
